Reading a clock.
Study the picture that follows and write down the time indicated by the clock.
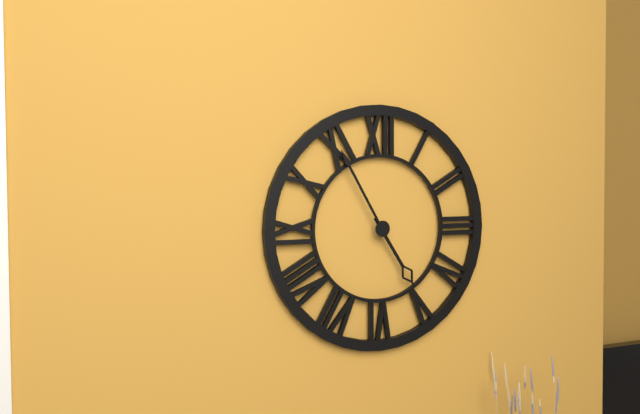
4:55
